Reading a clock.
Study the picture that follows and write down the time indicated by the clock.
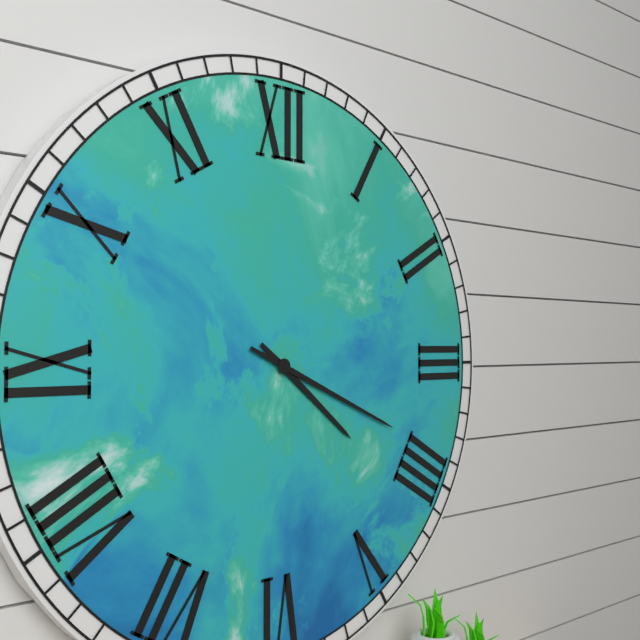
4:19
